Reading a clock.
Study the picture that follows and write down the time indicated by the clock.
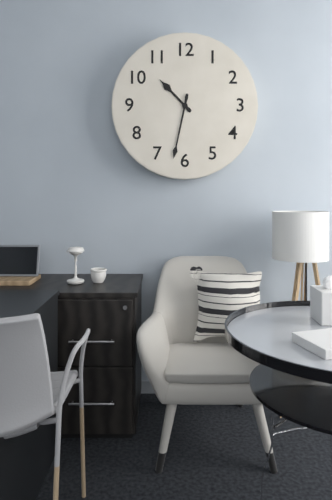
10:32
